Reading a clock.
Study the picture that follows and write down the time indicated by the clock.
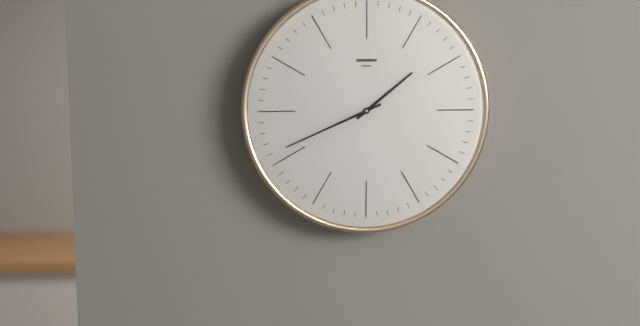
1:41
